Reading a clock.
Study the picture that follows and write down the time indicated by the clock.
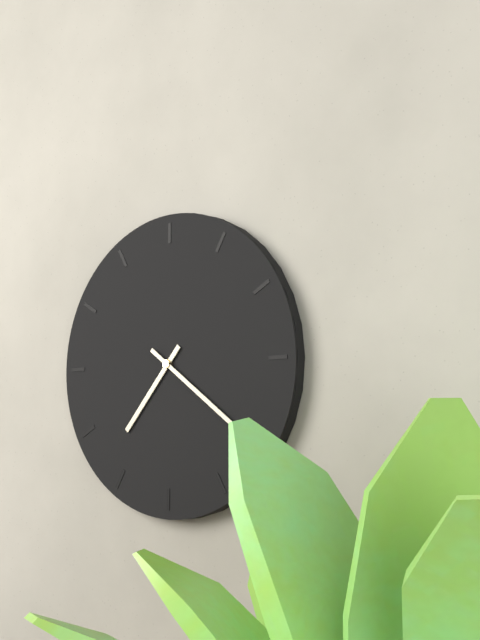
7:21
